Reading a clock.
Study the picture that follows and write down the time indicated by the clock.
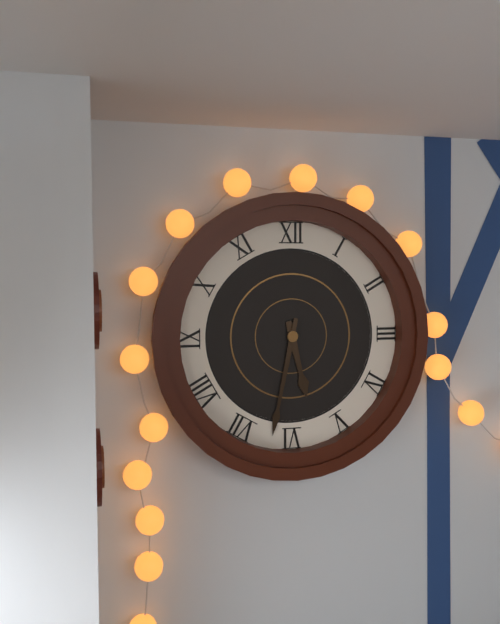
5:32
